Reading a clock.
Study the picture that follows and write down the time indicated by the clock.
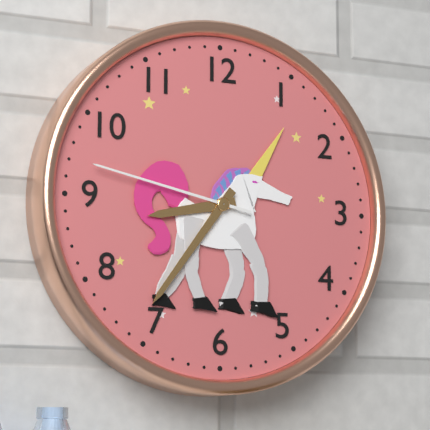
8:36:47
